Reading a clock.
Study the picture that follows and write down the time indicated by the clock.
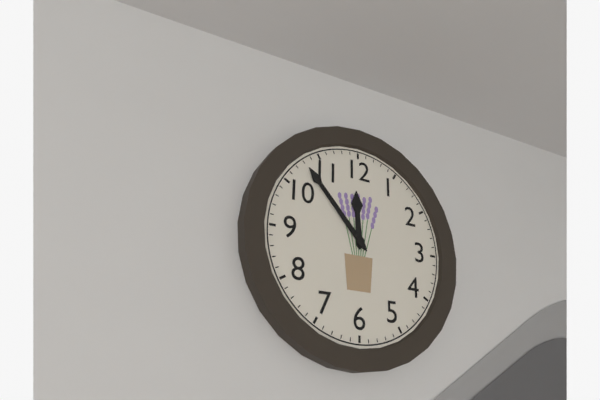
11:53
